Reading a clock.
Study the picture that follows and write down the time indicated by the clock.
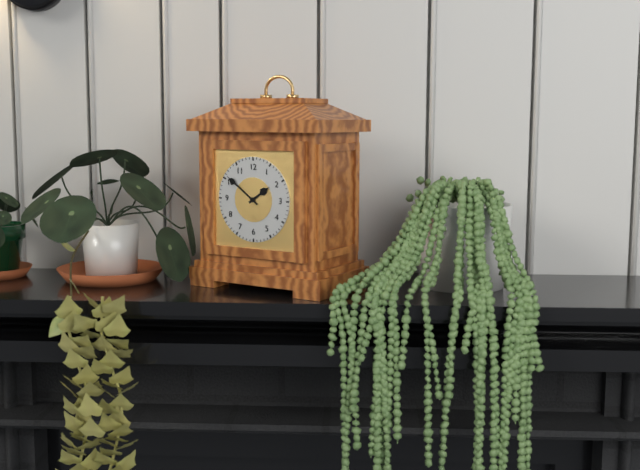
1:51
